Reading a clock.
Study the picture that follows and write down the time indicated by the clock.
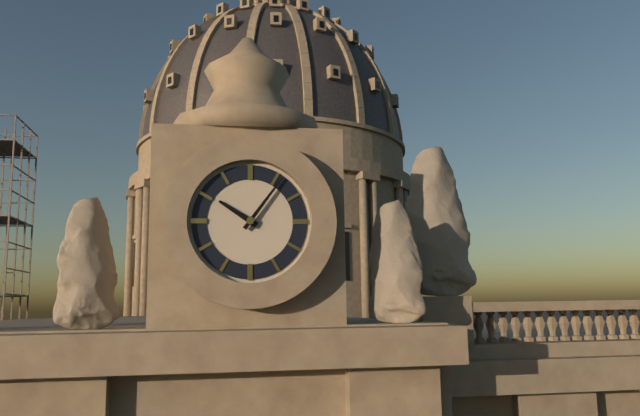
10:06
